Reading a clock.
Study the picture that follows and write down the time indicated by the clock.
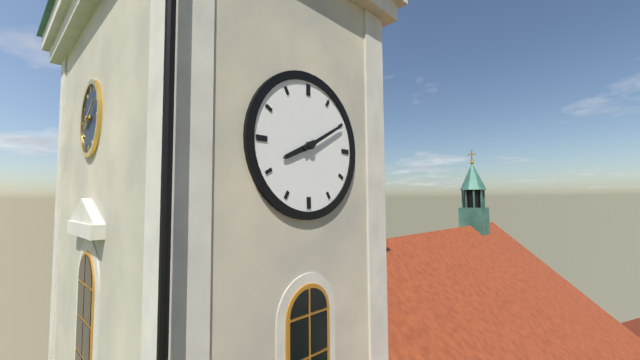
8:10
